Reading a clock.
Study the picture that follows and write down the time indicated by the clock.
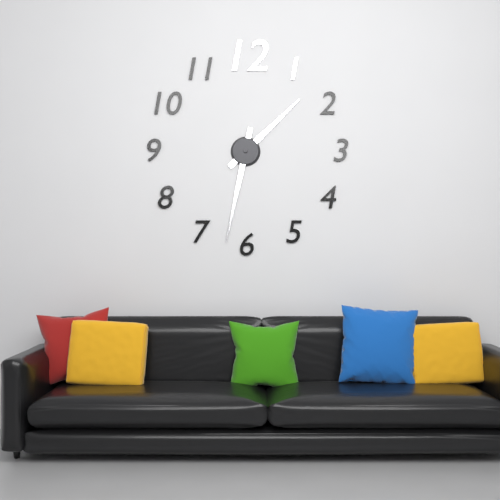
1:32
